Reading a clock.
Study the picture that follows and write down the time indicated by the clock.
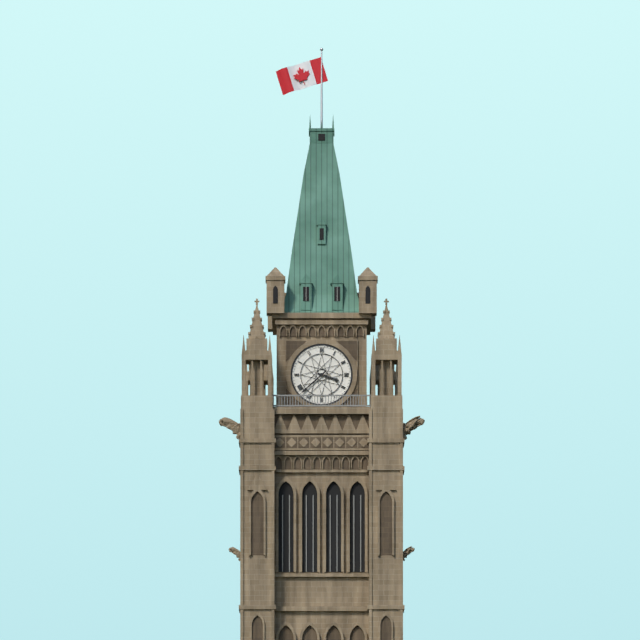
3:38
